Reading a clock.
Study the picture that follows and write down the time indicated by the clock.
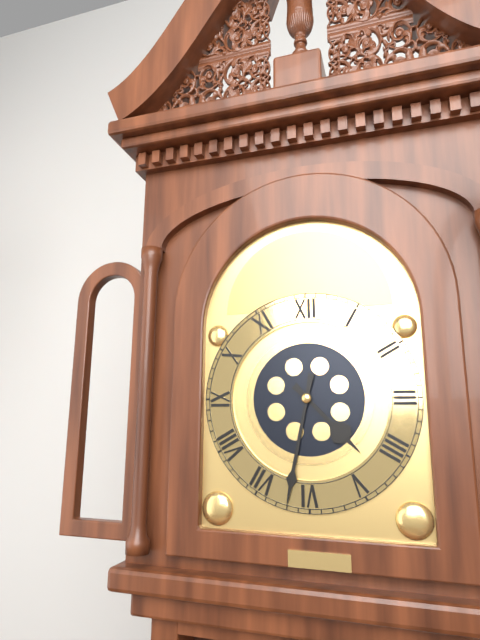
4:32
